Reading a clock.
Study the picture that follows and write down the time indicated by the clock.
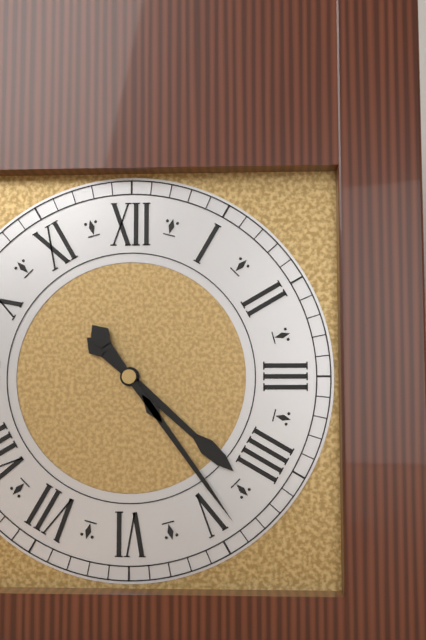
4:24
